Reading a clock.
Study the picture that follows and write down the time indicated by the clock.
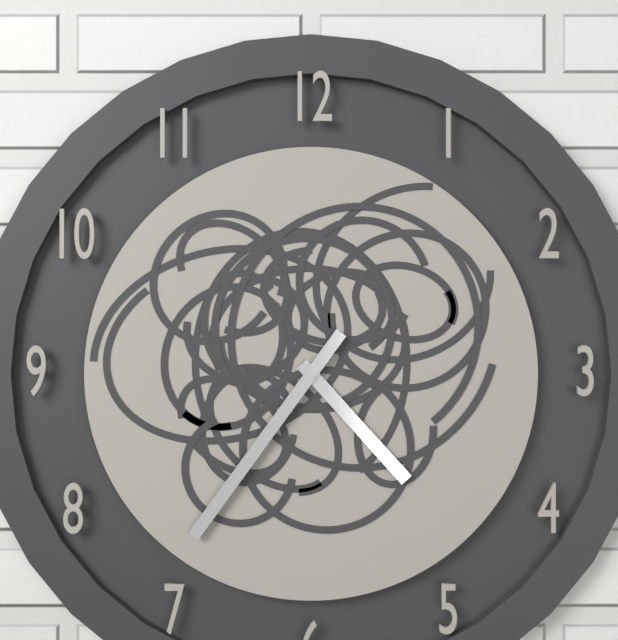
4:36
